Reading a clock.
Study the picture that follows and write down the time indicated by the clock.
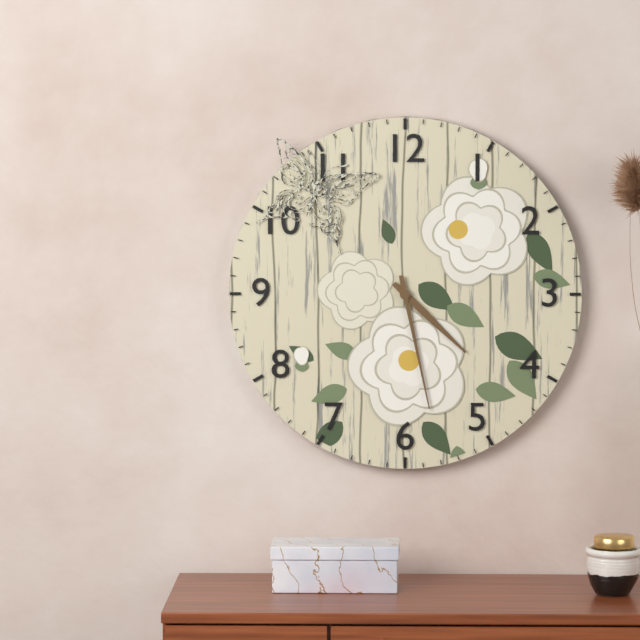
4:28
